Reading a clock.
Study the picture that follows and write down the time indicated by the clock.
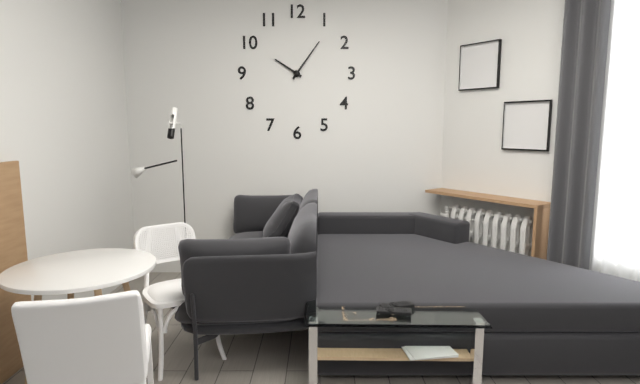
10:06
